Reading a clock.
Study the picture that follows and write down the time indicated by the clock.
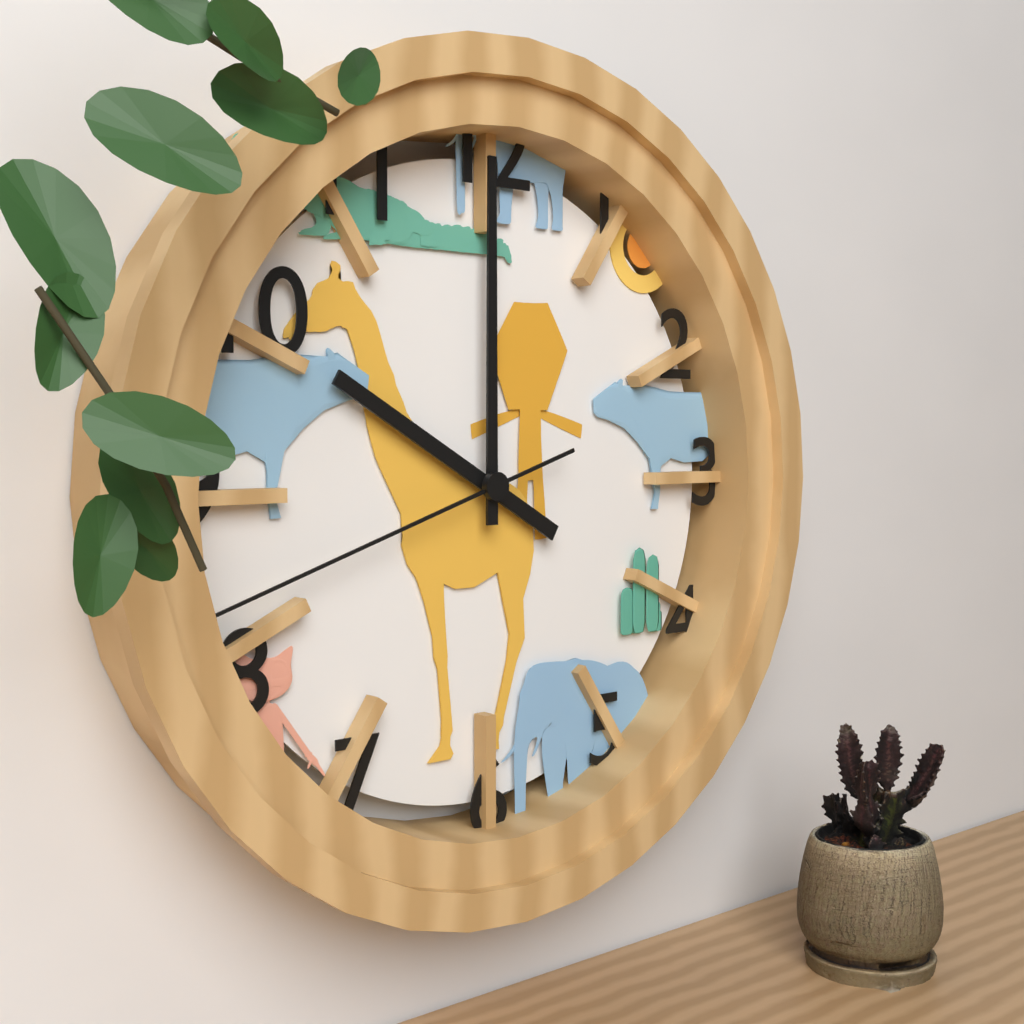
10:00:42
